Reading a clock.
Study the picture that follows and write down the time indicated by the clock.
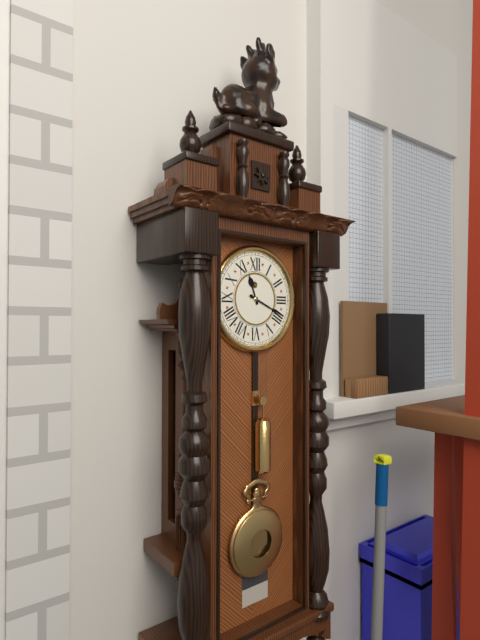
11:19
